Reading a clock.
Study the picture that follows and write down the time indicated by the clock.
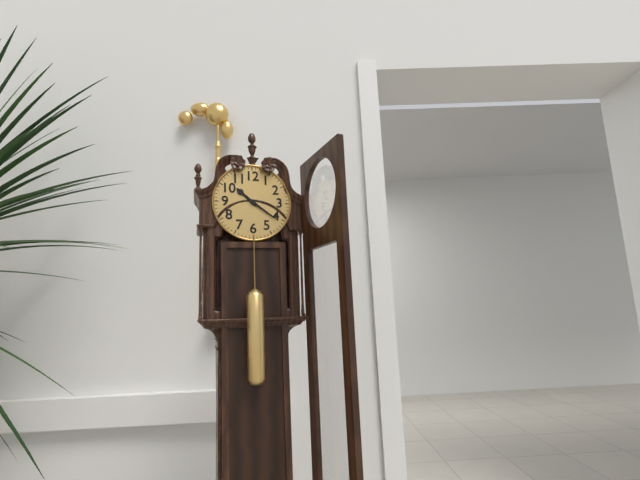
10:21
